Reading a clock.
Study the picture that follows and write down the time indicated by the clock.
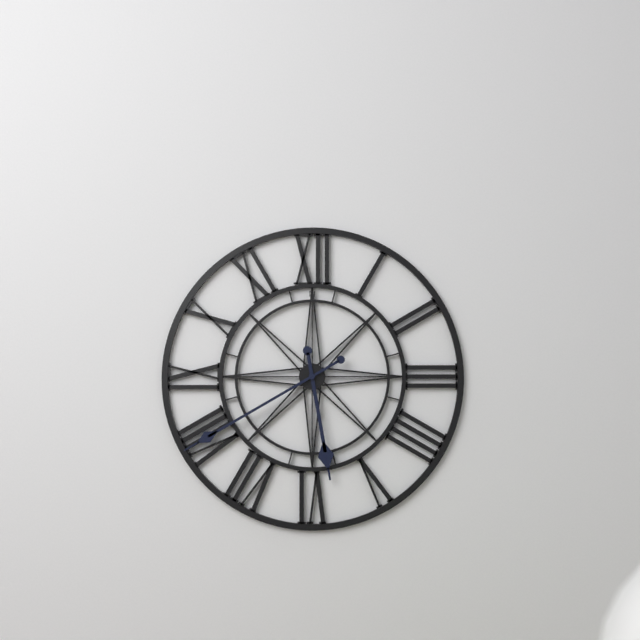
5:40
